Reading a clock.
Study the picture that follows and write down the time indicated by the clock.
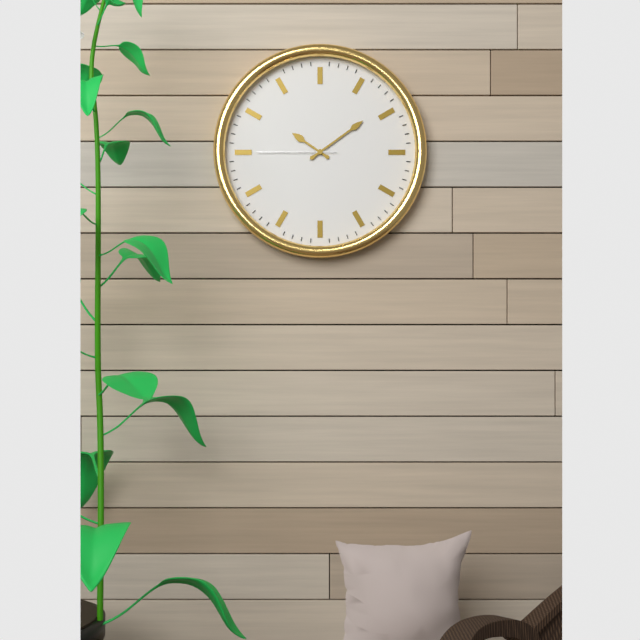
10:09:45
